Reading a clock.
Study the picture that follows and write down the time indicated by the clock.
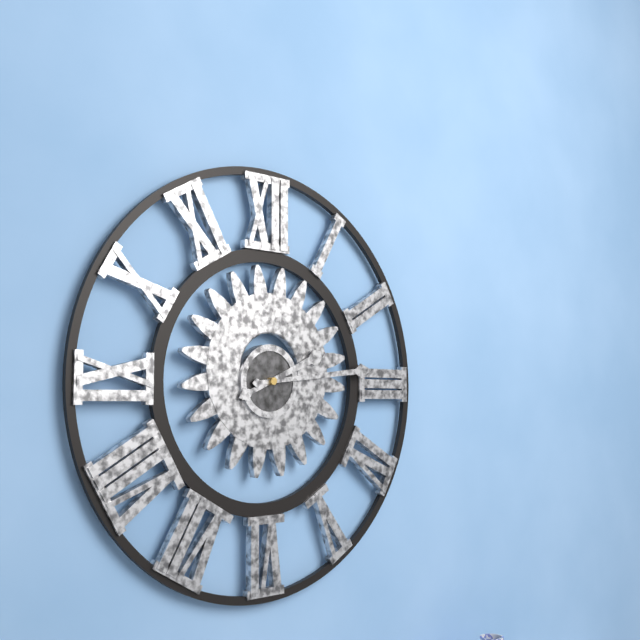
2:14
